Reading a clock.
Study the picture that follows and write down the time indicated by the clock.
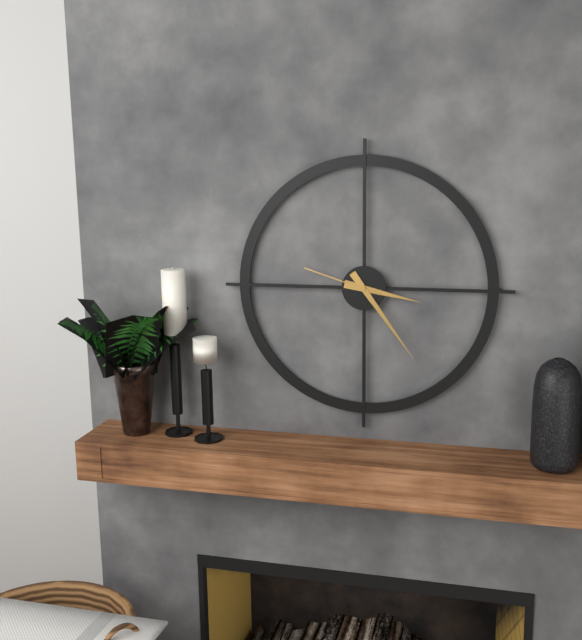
3:24:48
